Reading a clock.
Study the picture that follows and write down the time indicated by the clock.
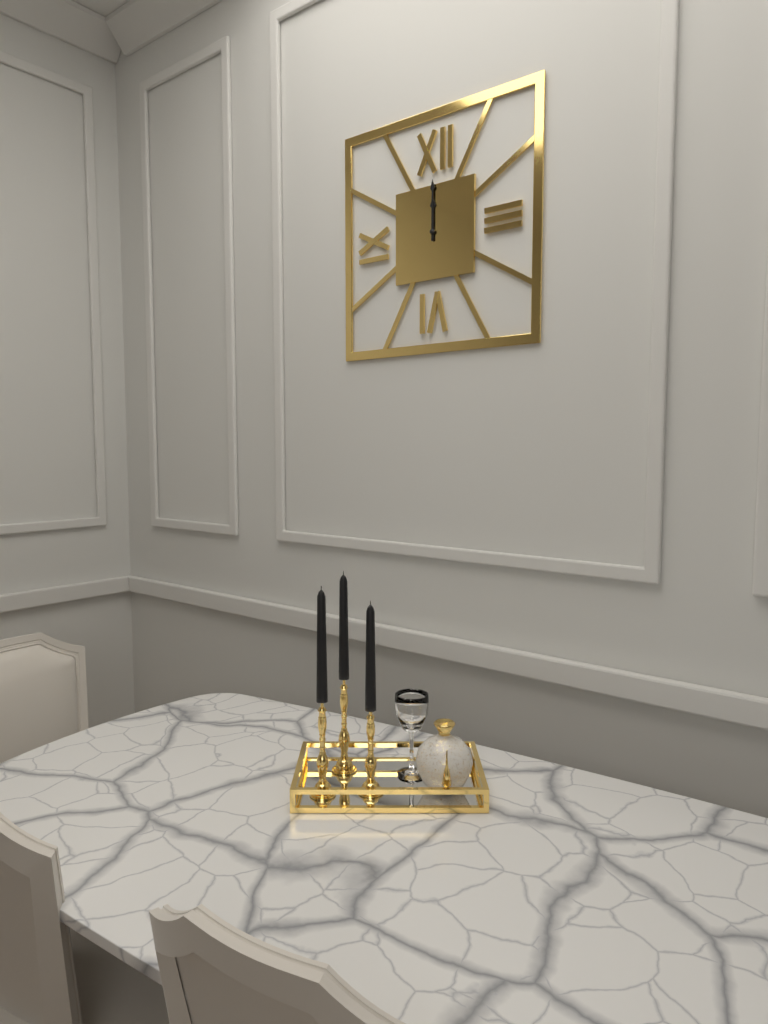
12:00
